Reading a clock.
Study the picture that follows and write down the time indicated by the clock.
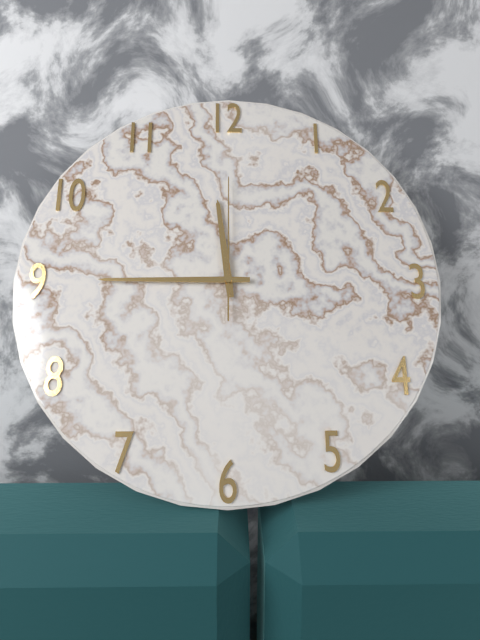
11:45:00
